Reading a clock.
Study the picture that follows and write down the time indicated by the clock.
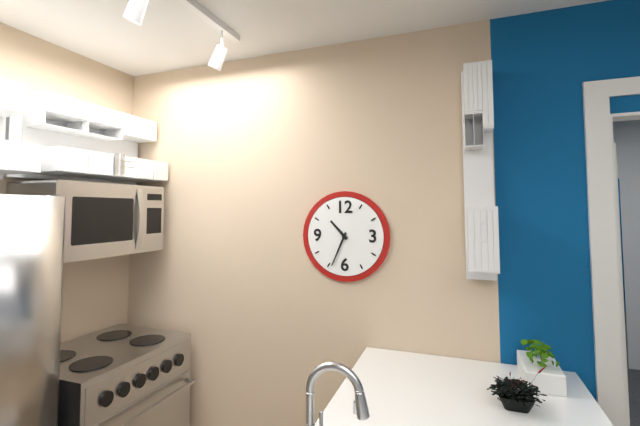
10:34
